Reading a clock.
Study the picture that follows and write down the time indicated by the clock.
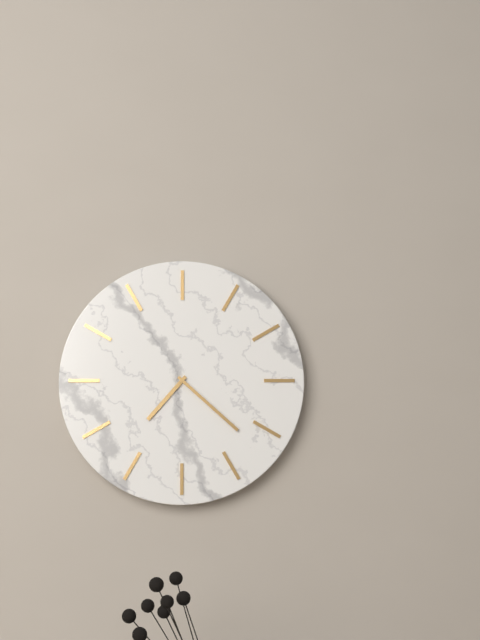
7:22
